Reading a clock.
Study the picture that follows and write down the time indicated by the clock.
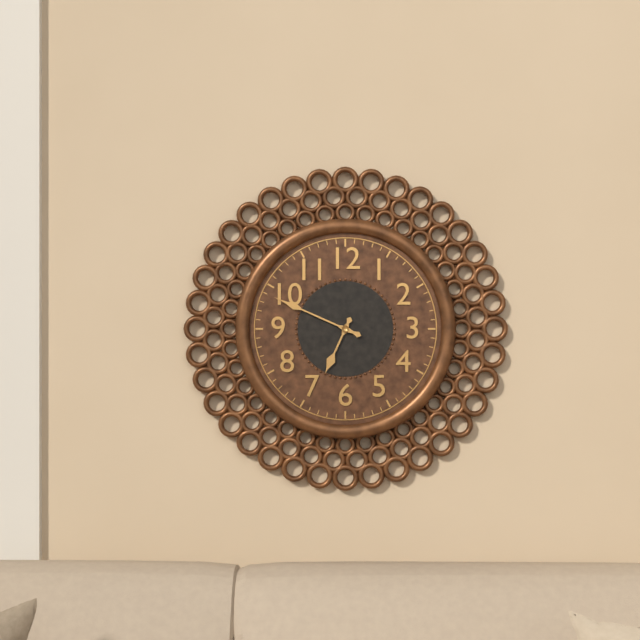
6:49
